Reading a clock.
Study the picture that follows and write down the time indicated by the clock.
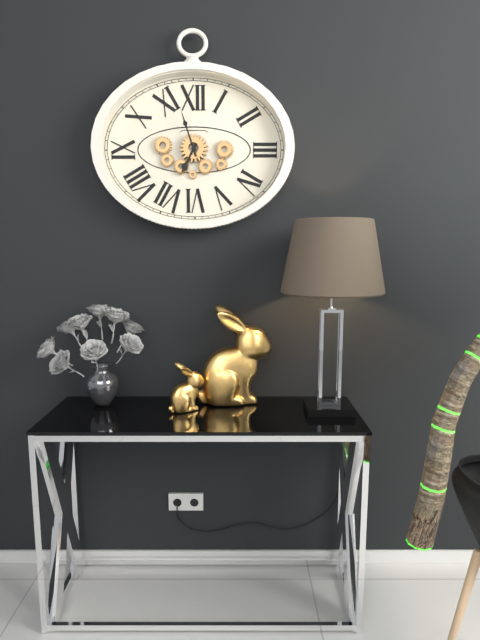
6:57
